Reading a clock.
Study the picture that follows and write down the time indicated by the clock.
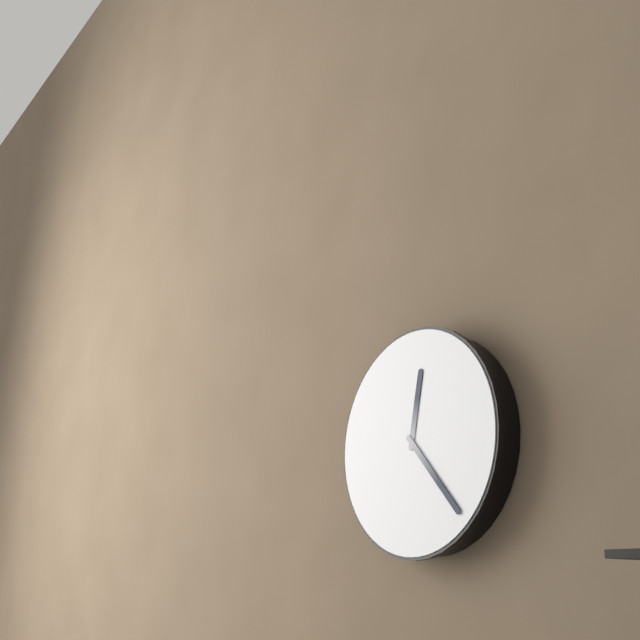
12:23
